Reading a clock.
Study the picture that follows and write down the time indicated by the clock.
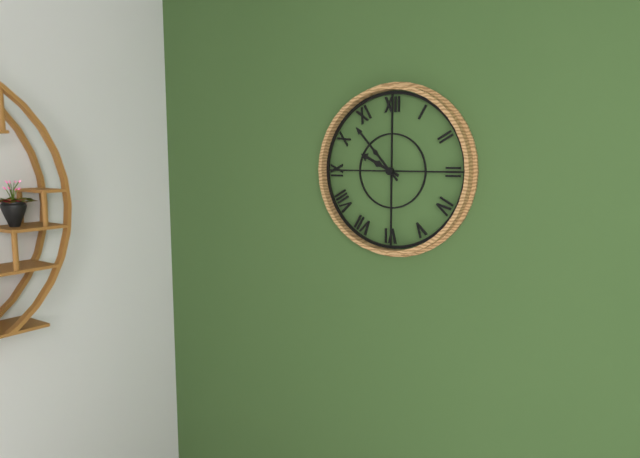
9:53
